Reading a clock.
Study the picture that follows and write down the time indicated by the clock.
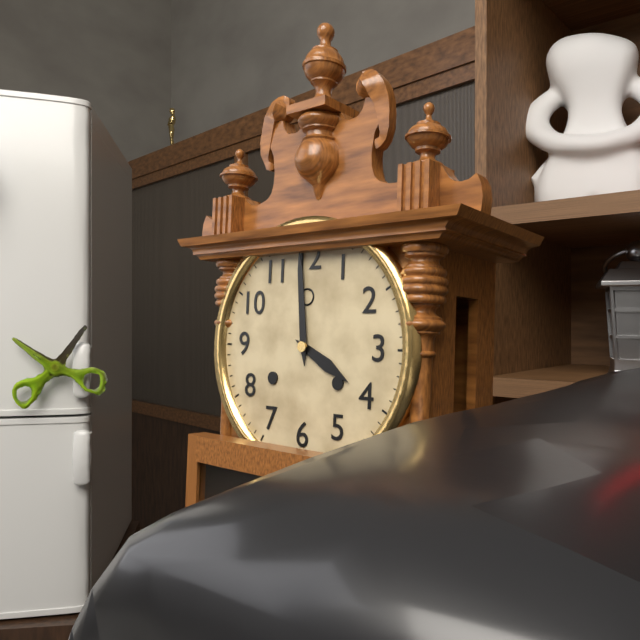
3:59
